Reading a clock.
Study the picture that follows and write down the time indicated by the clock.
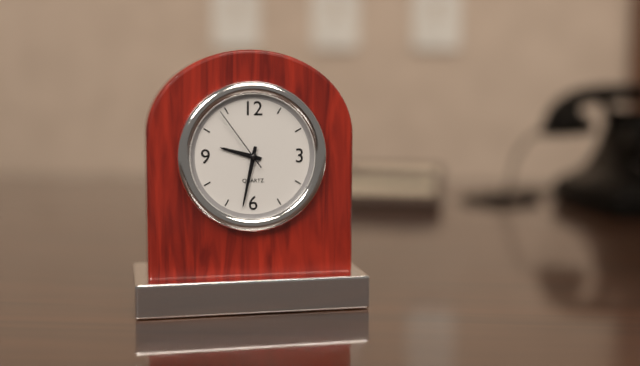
9:32:54
